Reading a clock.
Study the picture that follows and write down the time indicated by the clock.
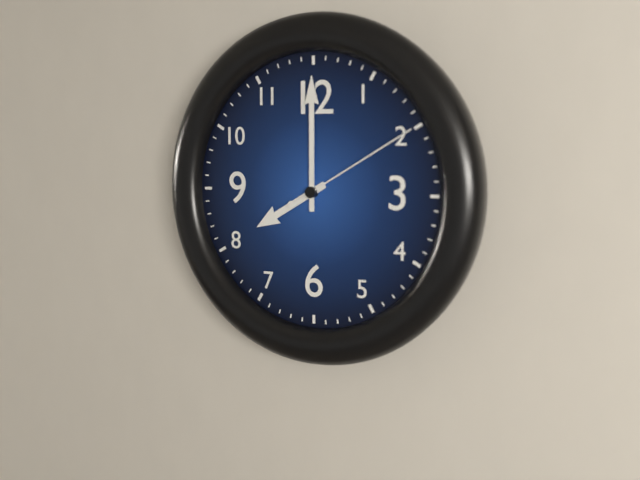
8:00:10
